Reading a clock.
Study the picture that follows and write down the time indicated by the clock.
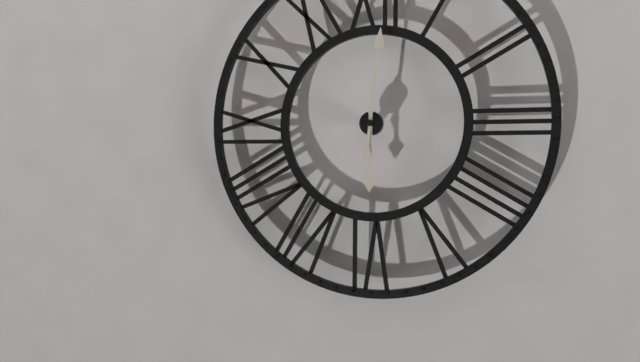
6:01
